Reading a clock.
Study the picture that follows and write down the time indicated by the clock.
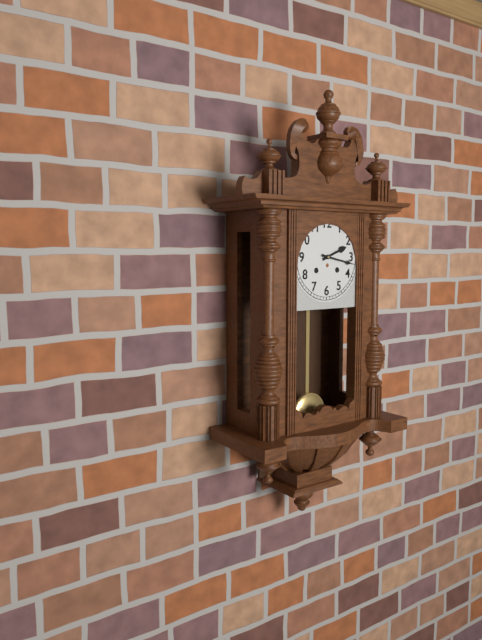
2:17
